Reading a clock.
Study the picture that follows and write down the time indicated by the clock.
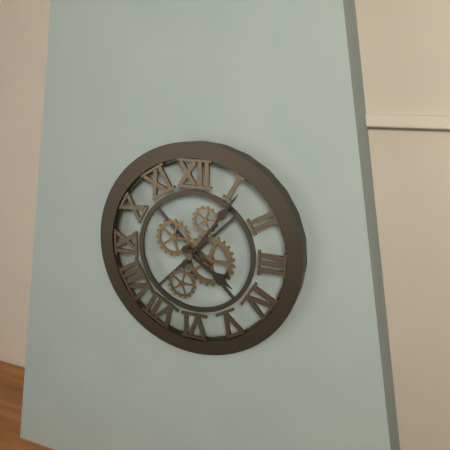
4:06
